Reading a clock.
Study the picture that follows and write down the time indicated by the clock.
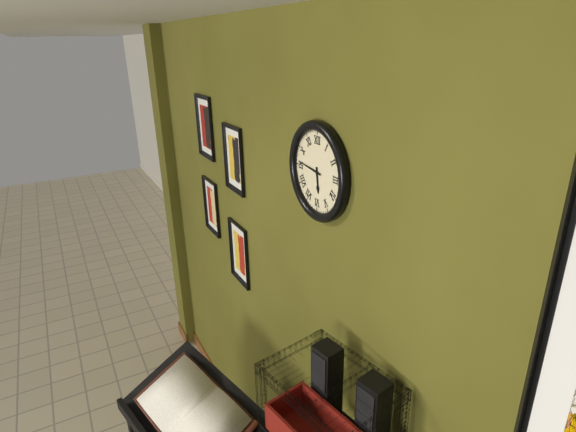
5:46
